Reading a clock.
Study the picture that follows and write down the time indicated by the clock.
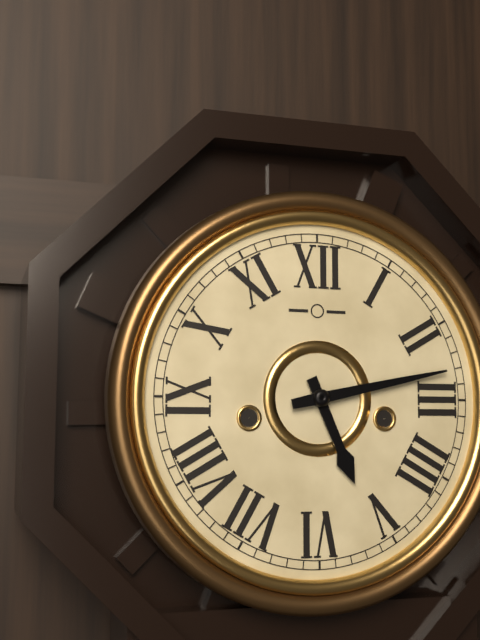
5:13
